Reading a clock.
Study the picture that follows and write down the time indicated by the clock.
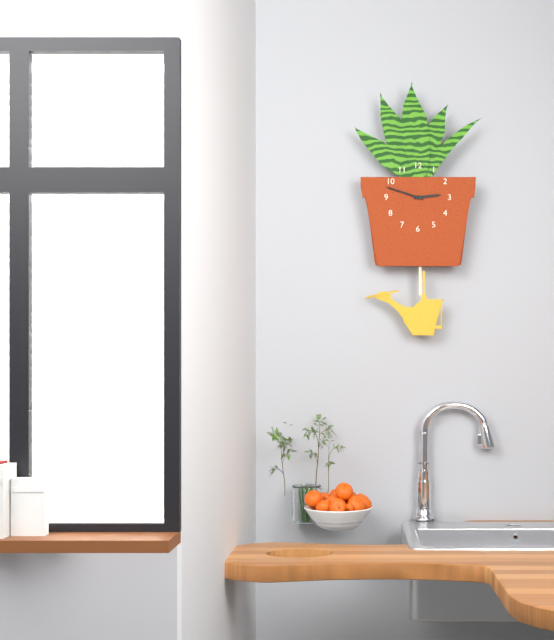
2:48
